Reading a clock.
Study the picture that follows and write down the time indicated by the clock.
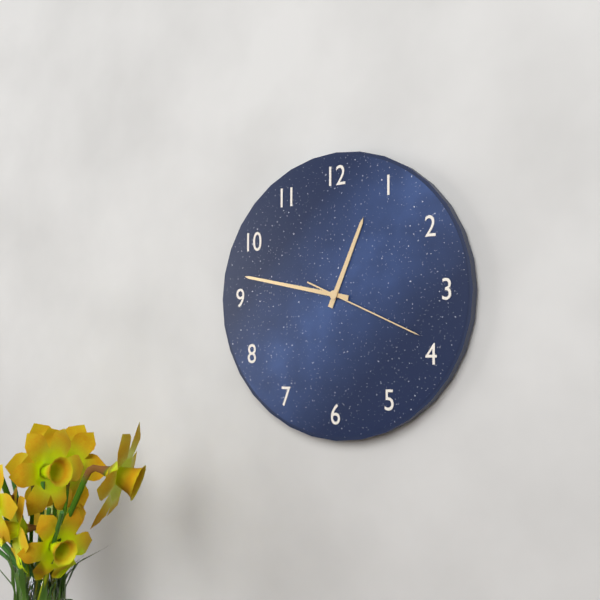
12:47:19
